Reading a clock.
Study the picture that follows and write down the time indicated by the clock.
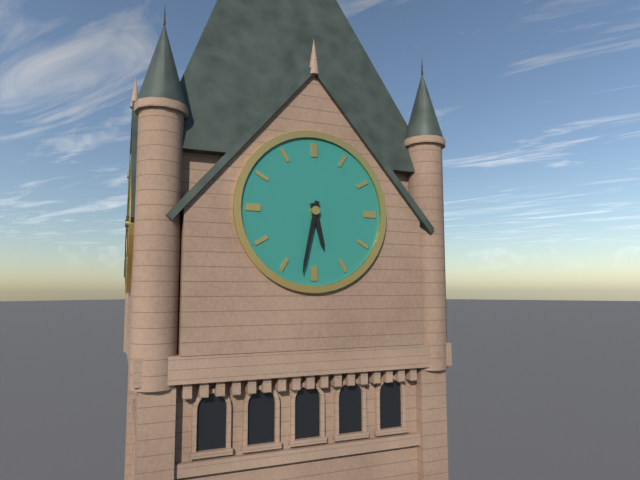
5:32
